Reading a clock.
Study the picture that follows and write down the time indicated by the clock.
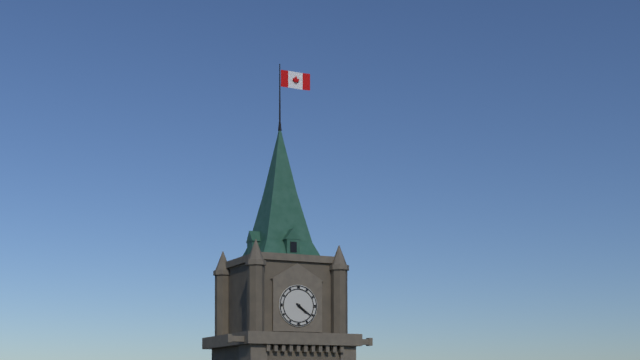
4:21
